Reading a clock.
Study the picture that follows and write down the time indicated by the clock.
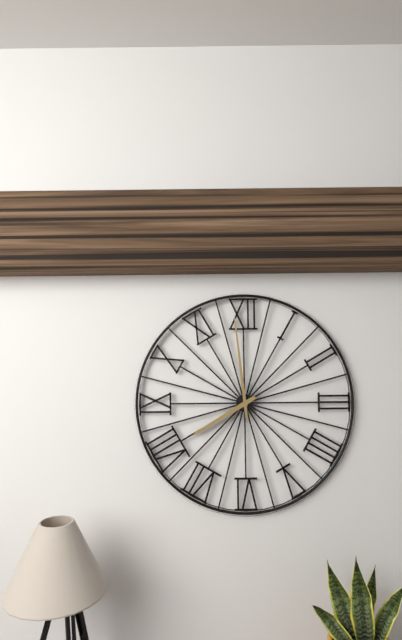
7:59
